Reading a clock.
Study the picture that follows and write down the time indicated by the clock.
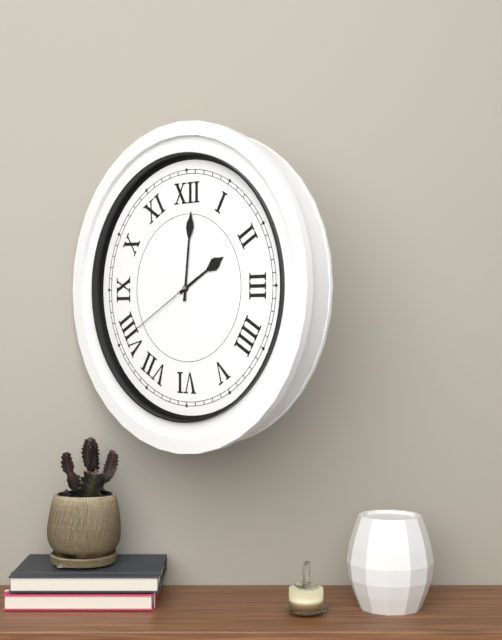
2:01:40
